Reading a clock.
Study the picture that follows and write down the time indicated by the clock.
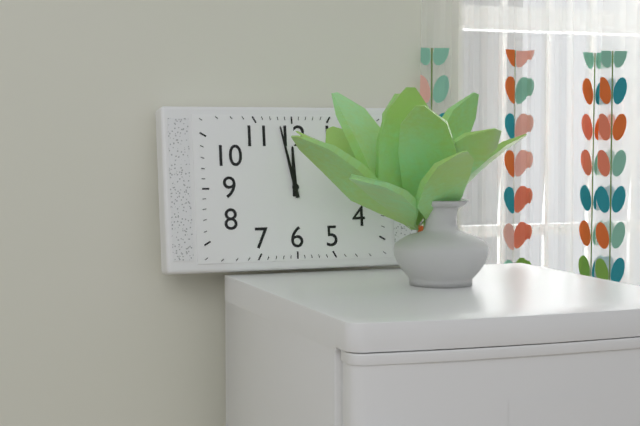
11:58
